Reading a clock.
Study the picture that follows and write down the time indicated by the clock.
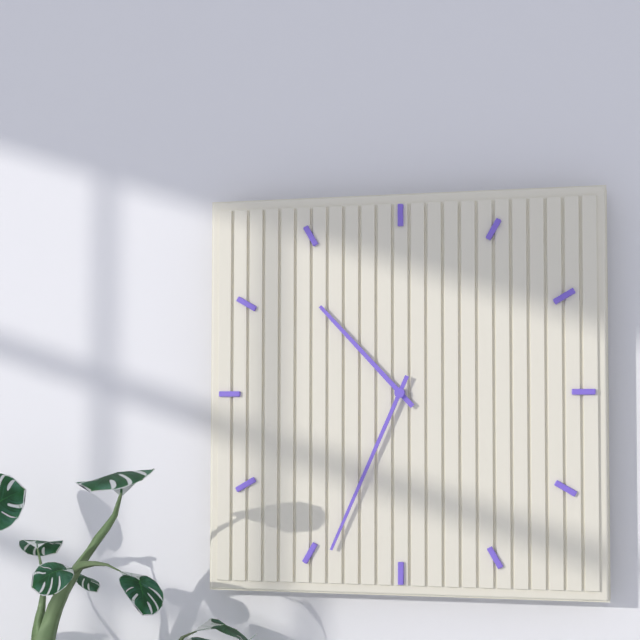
10:34
